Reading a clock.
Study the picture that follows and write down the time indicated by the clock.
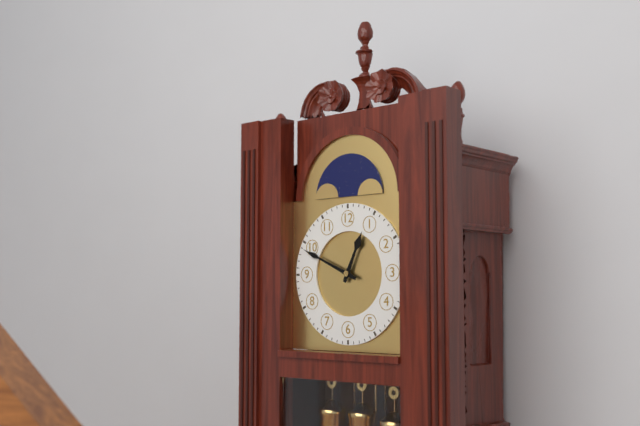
12:49
